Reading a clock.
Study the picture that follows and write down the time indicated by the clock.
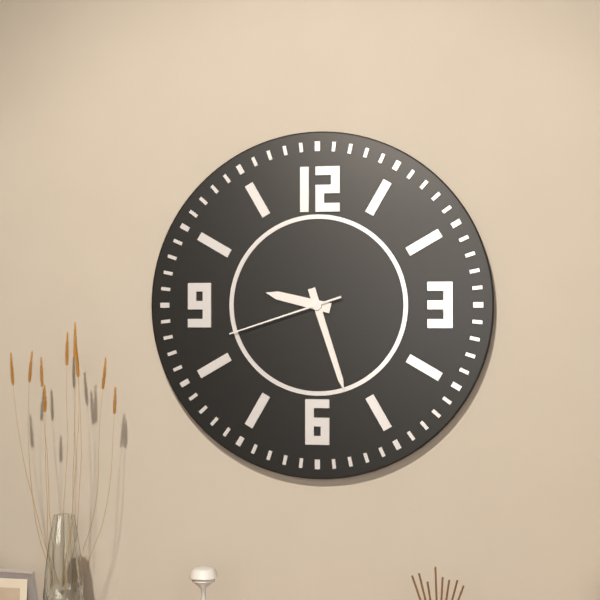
9:27:42
